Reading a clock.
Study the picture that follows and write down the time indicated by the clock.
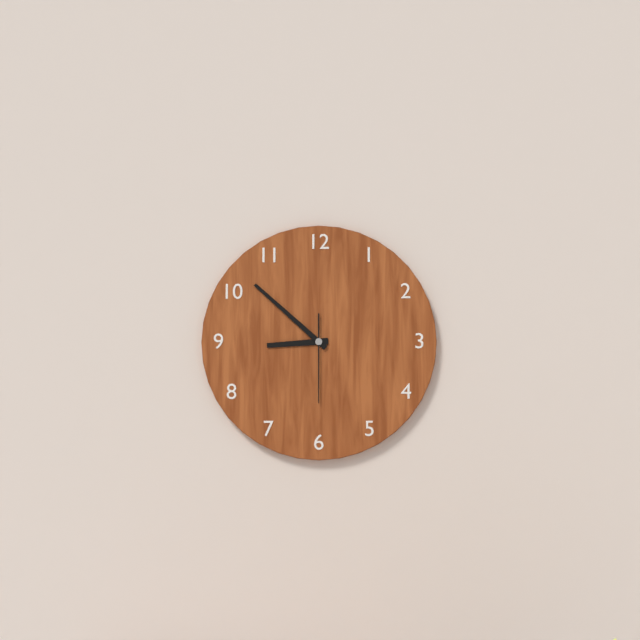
8:52:30
